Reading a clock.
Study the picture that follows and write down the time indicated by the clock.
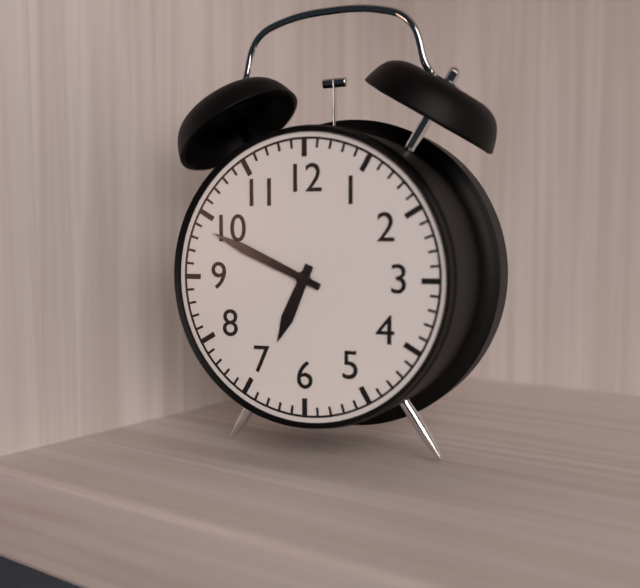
6:49
